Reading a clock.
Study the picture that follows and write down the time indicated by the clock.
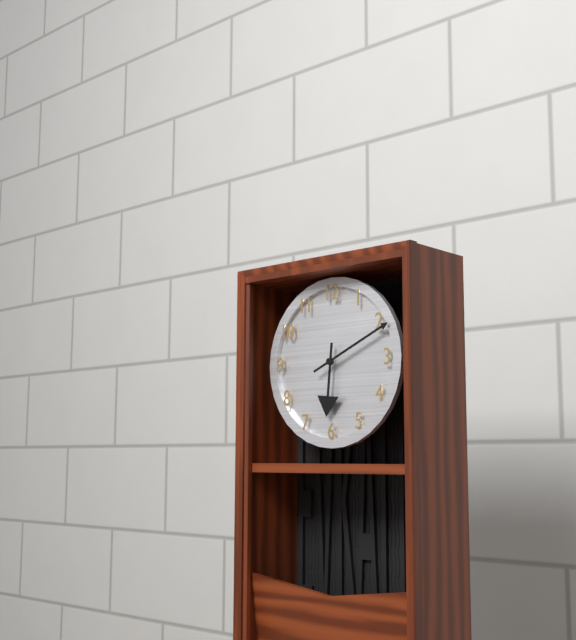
6:11
